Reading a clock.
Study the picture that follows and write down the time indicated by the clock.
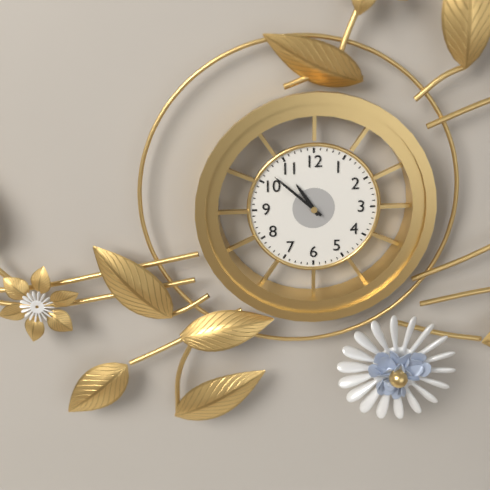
10:52
